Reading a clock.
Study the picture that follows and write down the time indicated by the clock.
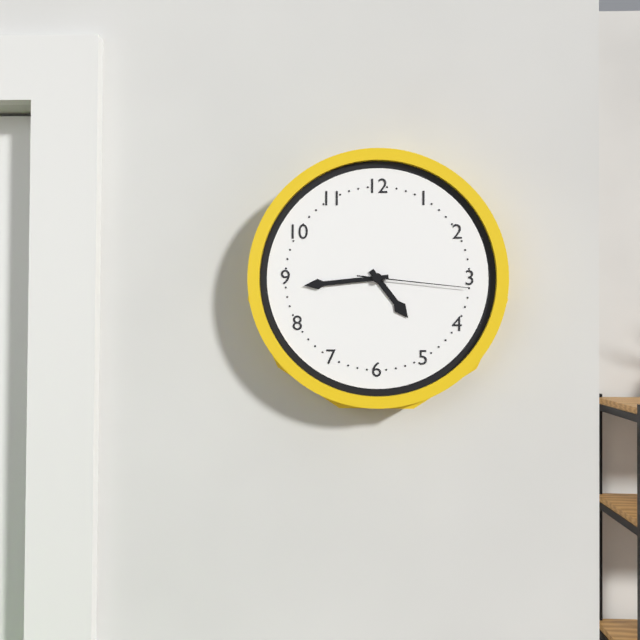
4:44:16
